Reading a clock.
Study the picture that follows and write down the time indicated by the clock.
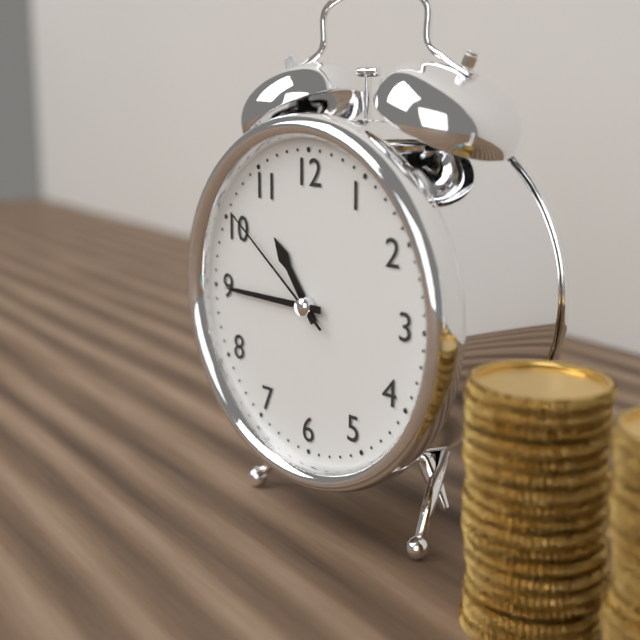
10:45:51
